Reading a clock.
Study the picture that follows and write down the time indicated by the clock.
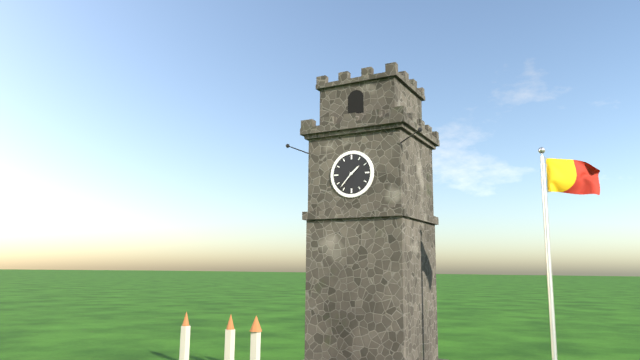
1:37
